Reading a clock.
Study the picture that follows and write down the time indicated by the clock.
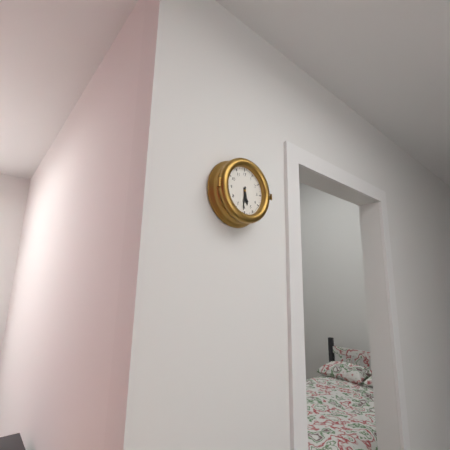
5:31
